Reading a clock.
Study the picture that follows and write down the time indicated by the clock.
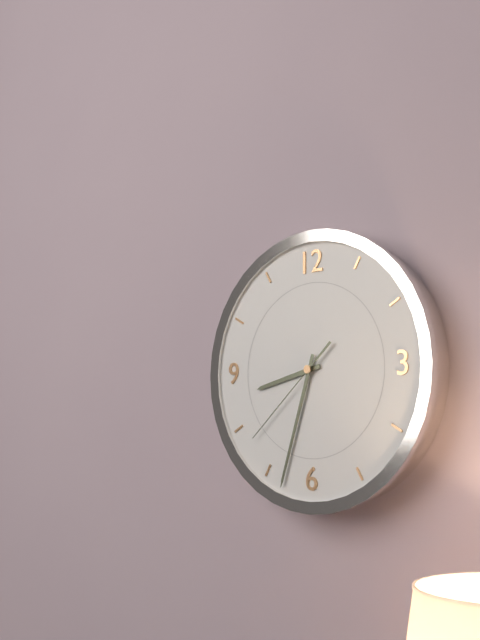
8:33:38
